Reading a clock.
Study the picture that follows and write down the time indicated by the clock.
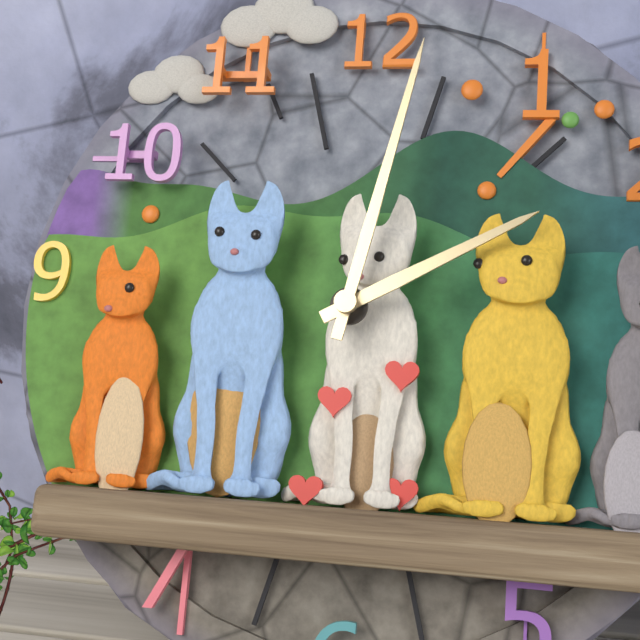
2:02
